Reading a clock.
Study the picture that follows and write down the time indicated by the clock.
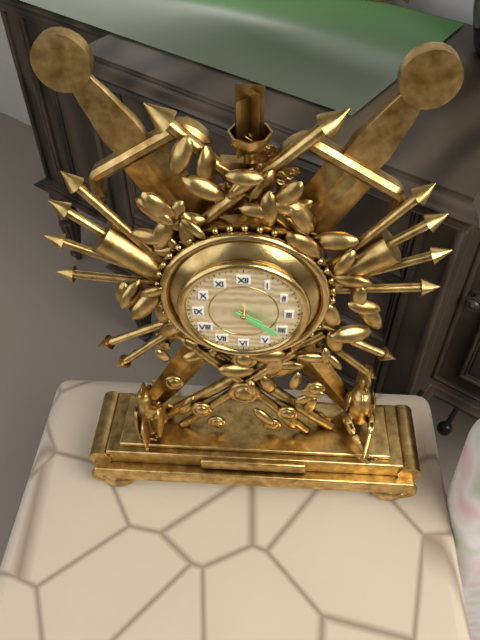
4:21
